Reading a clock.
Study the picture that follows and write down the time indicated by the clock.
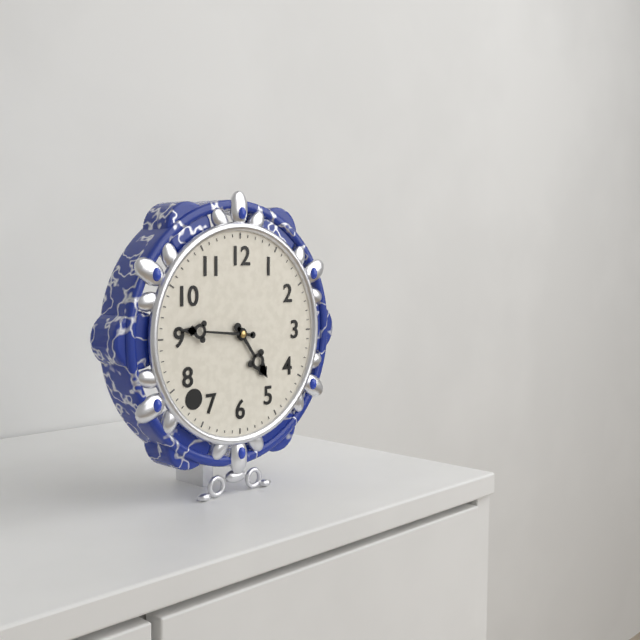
4:46
